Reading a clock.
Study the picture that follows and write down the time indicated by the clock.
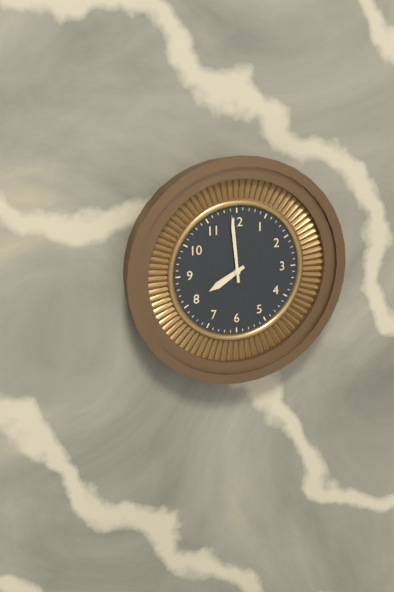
7:59
